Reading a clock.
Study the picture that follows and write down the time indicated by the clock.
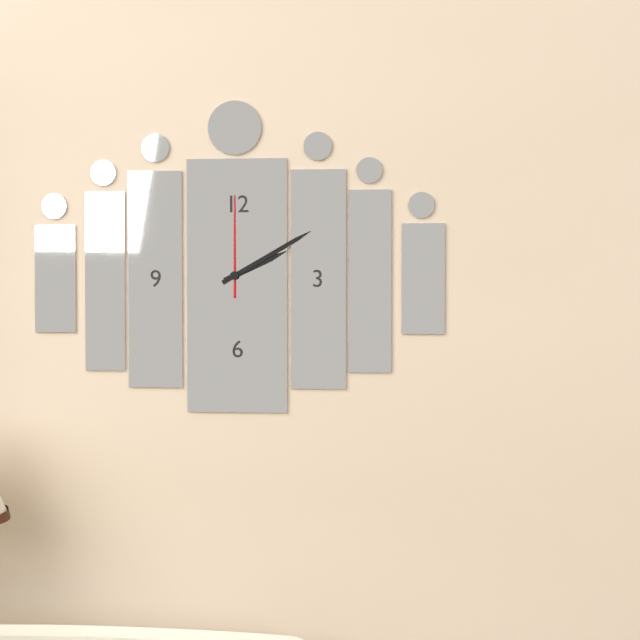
2:10:00
